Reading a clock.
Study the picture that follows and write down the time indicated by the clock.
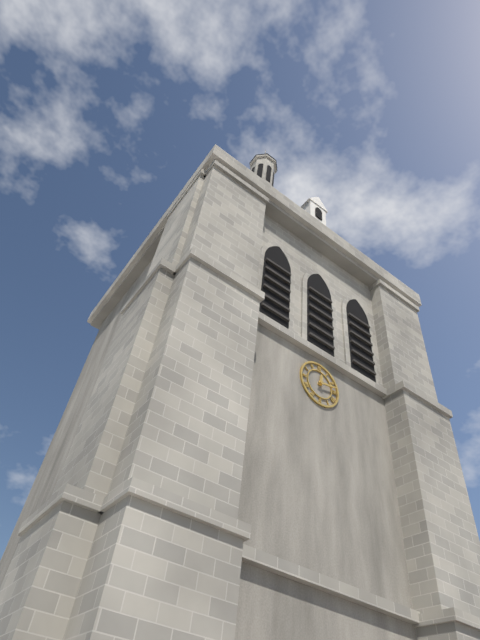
12:13
